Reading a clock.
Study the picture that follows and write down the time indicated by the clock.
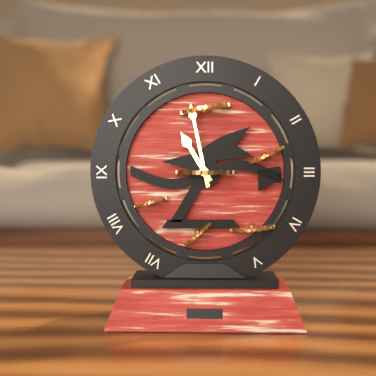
10:58
